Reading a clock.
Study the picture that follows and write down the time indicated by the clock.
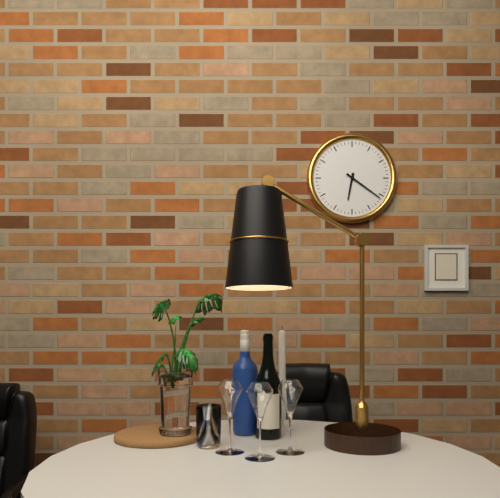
6:21
